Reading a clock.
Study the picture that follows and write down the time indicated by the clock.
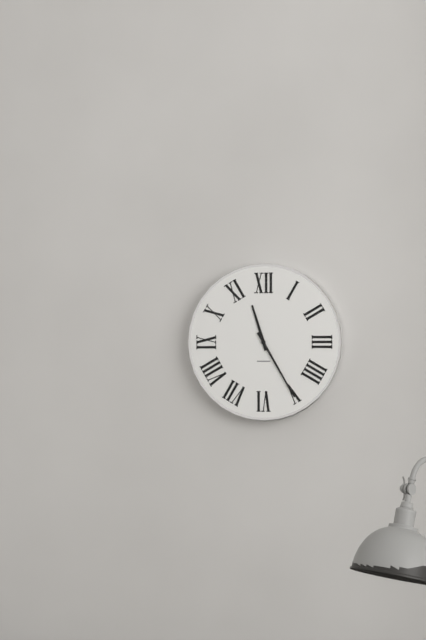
11:25
